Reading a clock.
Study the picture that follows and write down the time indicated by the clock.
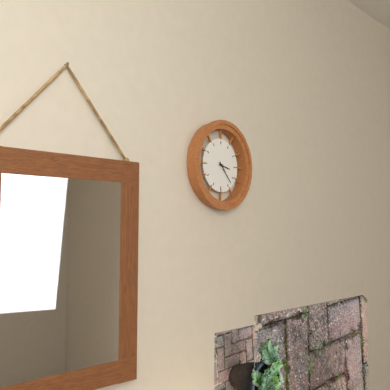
3:23
